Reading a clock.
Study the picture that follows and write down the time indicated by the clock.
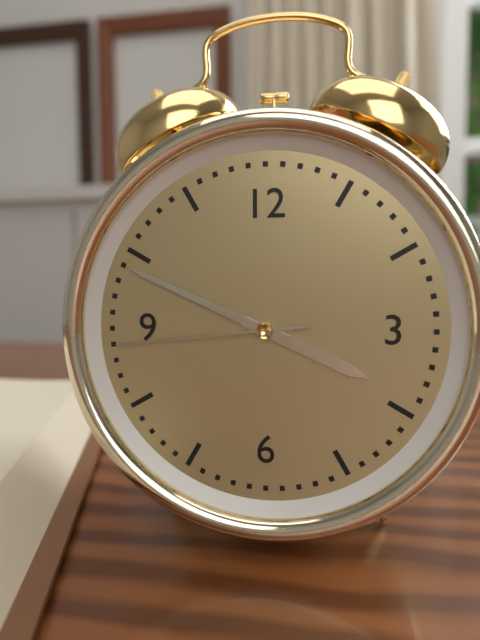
3:49:44
